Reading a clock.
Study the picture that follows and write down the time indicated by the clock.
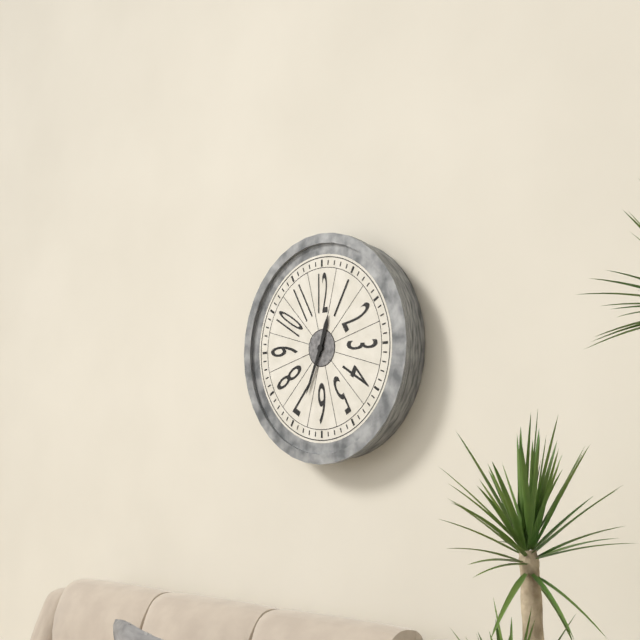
12:34
